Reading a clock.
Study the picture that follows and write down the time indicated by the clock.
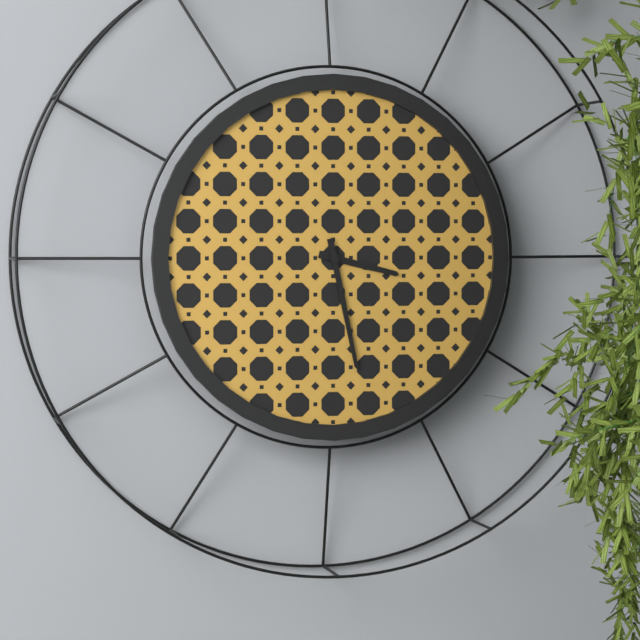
3:28
